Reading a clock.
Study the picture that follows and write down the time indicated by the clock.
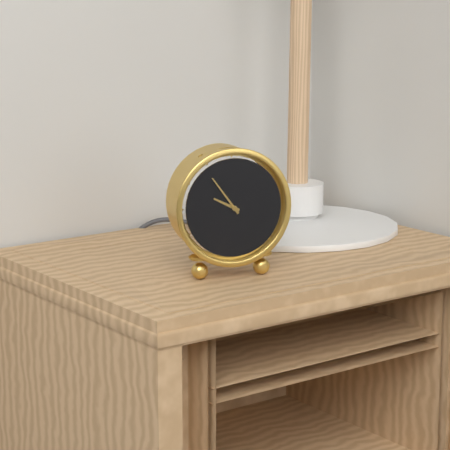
9:54
